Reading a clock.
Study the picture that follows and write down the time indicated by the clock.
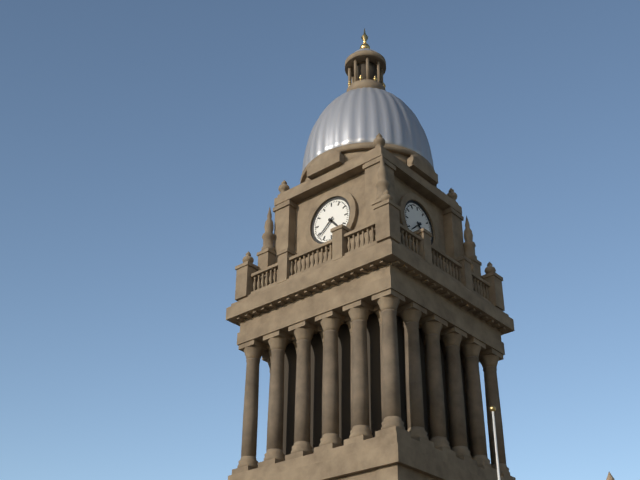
4:38
